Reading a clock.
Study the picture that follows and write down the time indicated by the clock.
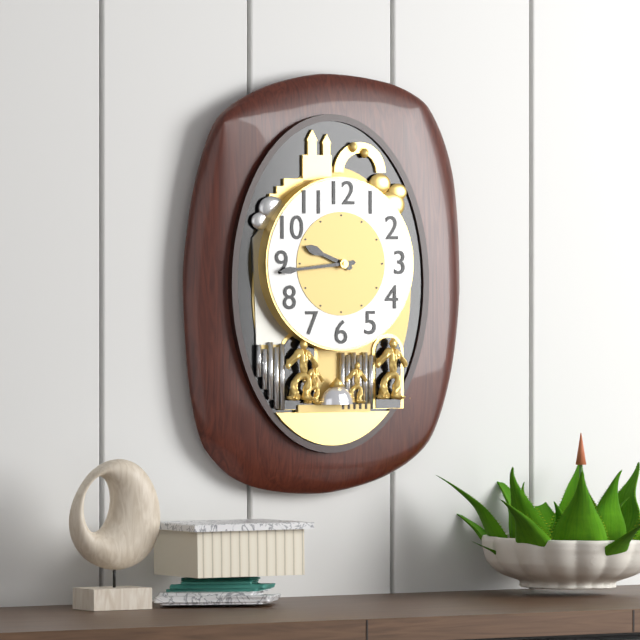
9:44
